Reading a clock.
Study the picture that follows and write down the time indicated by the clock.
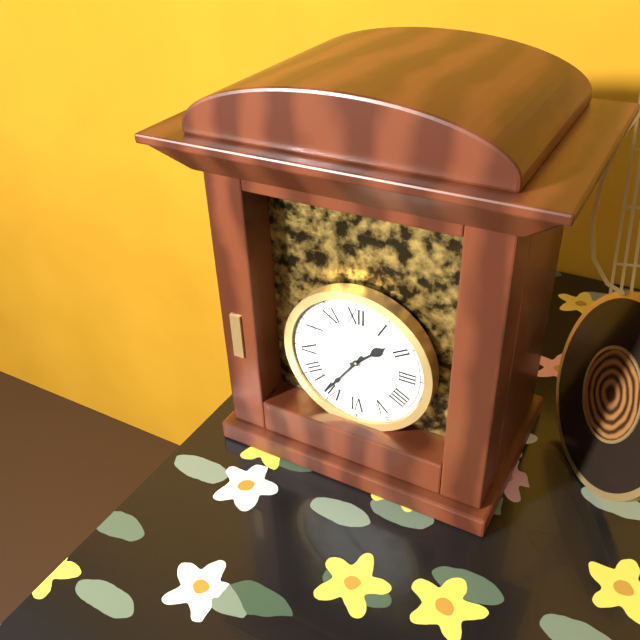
1:36
